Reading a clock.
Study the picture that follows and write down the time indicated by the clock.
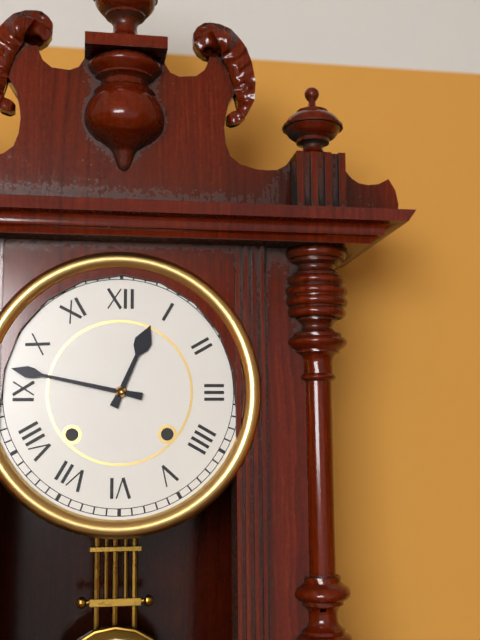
12:47
